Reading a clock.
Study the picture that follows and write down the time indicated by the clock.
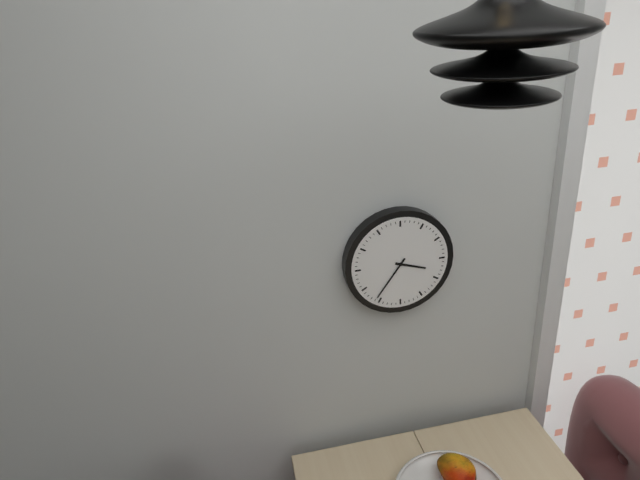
3:36
